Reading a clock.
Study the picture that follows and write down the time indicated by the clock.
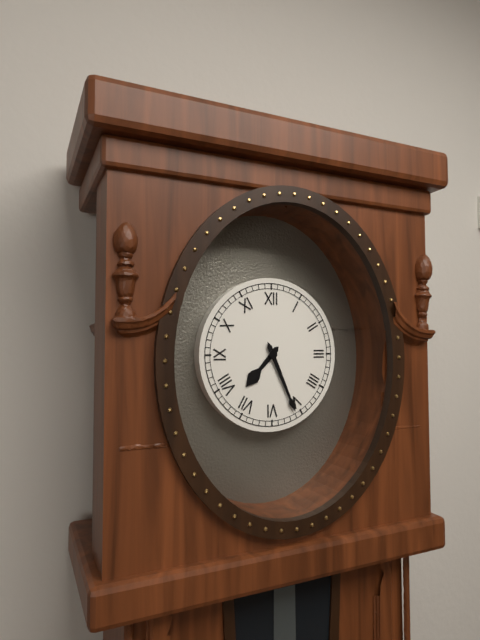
7:26
